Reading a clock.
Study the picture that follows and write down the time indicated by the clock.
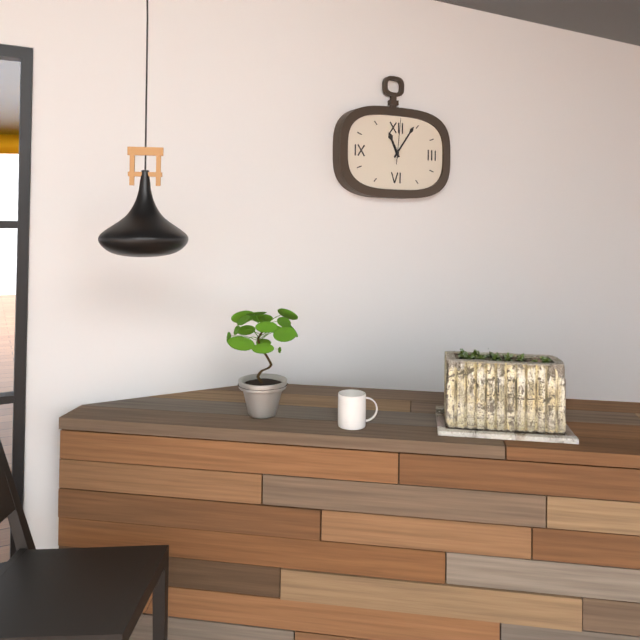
11:06
